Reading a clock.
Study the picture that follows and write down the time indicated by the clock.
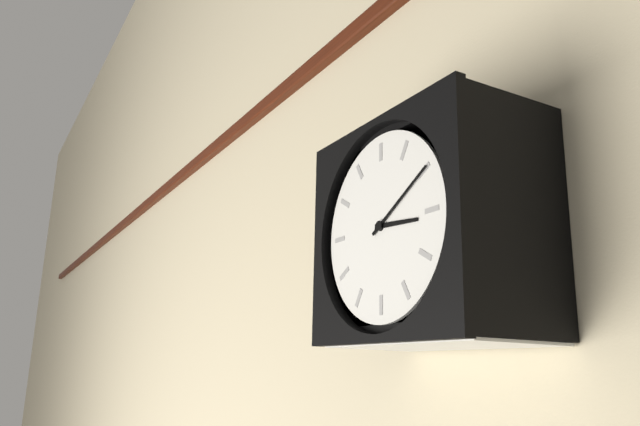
3:10
